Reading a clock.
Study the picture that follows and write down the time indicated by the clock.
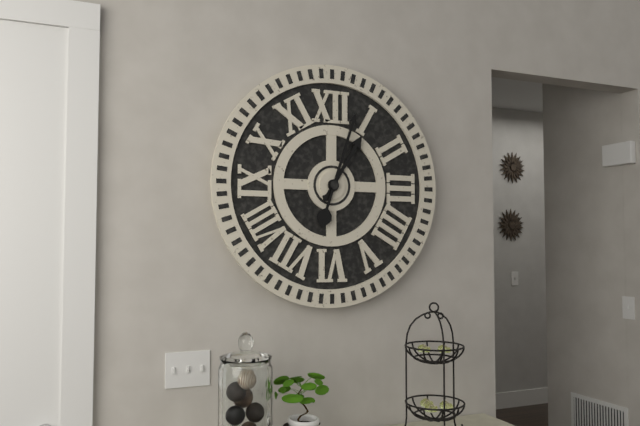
1:03
